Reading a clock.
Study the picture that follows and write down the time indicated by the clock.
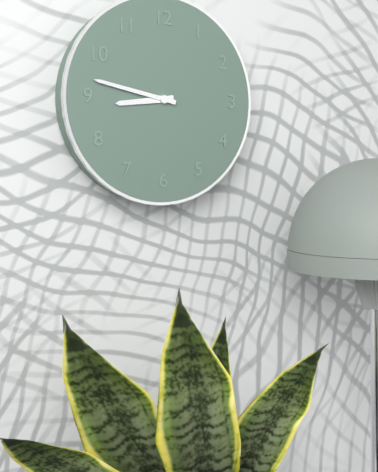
8:47
